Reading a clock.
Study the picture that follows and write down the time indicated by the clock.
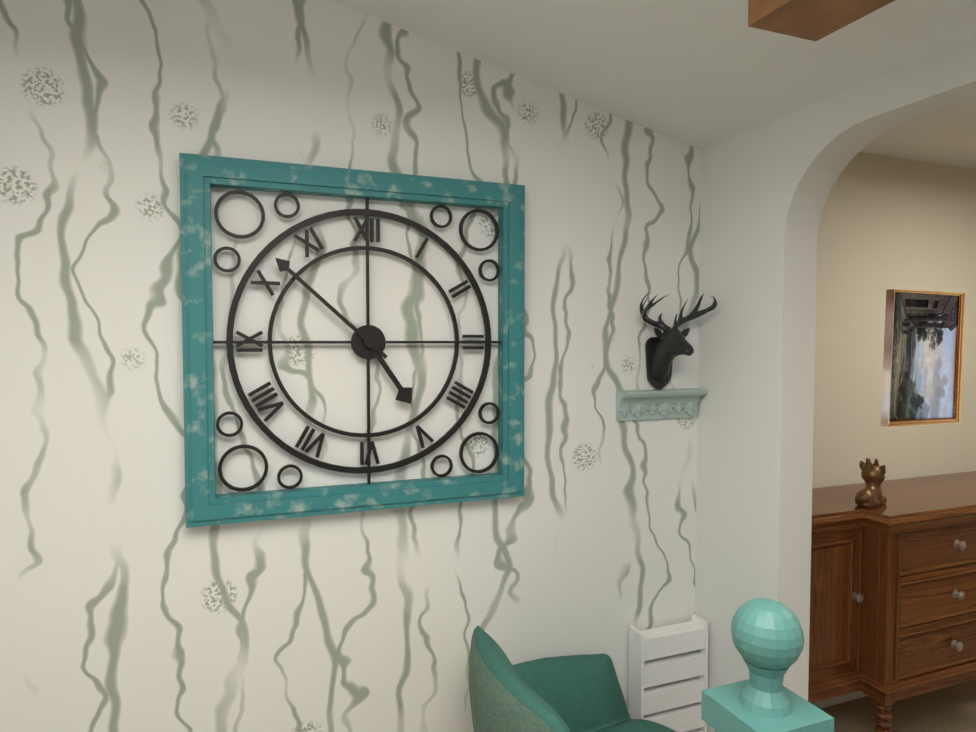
4:52
